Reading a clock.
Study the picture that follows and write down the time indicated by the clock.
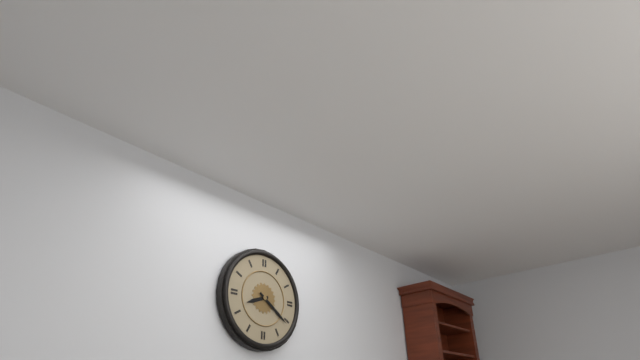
8:21
